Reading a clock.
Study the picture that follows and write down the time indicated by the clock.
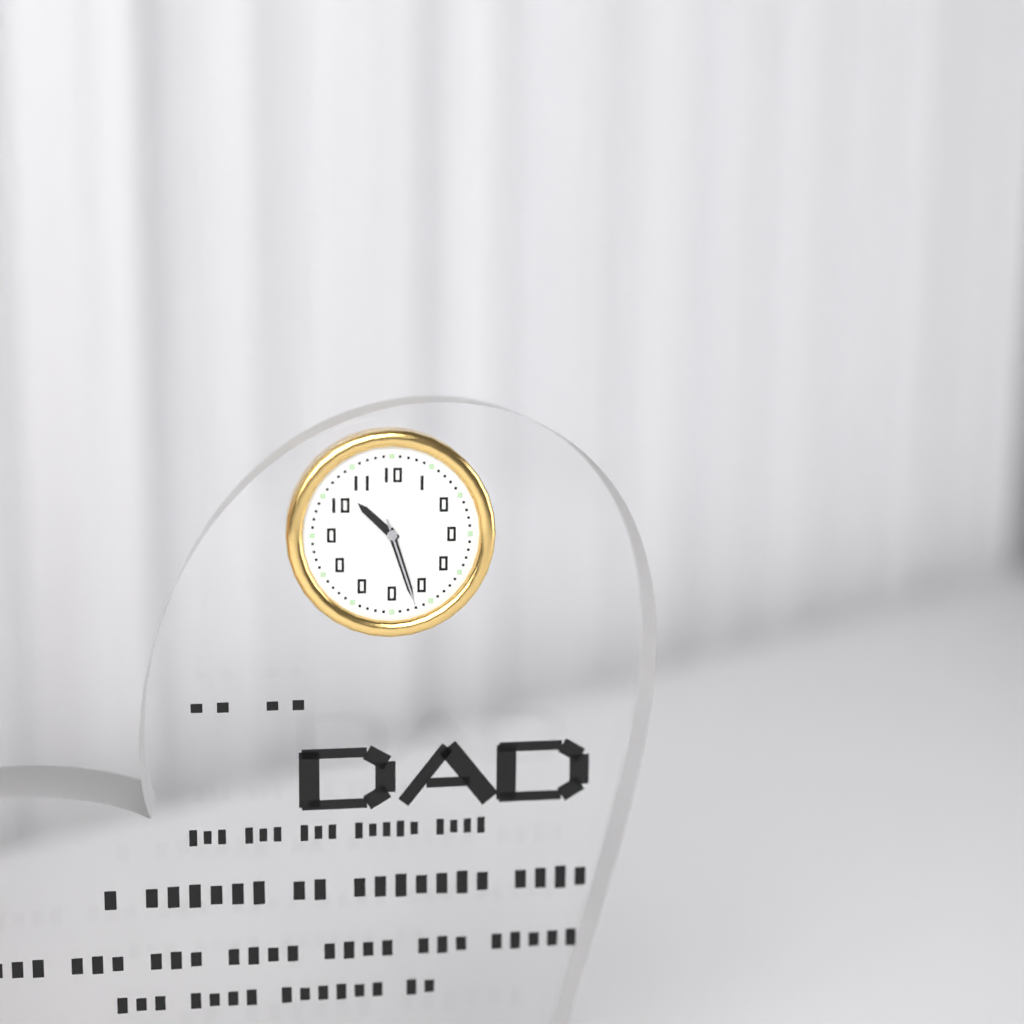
10:27:27
